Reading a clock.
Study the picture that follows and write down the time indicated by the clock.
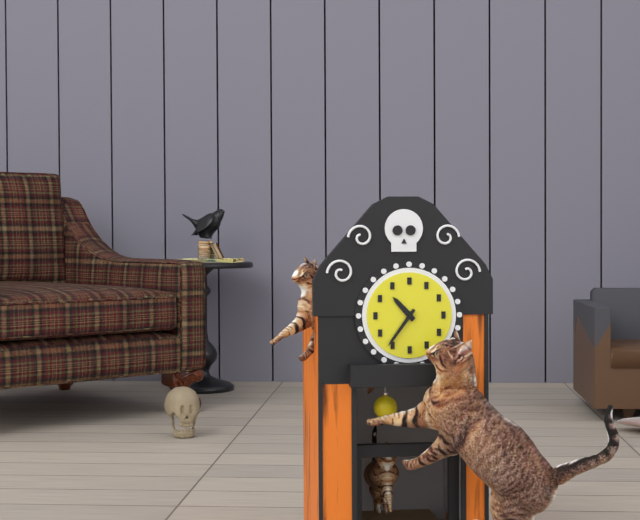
10:36
